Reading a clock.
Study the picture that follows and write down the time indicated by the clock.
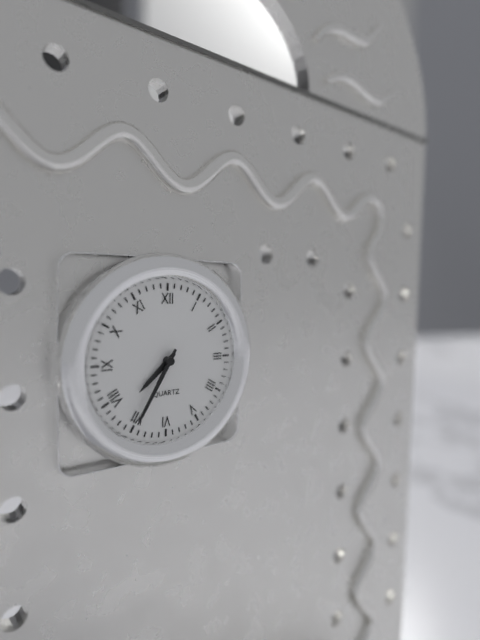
7:35
